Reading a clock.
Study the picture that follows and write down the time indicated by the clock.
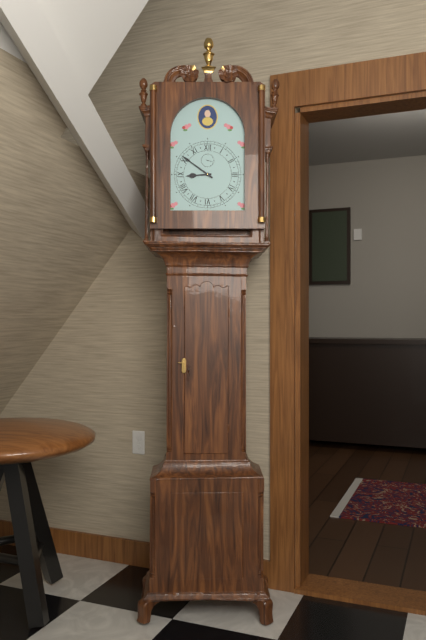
8:51
